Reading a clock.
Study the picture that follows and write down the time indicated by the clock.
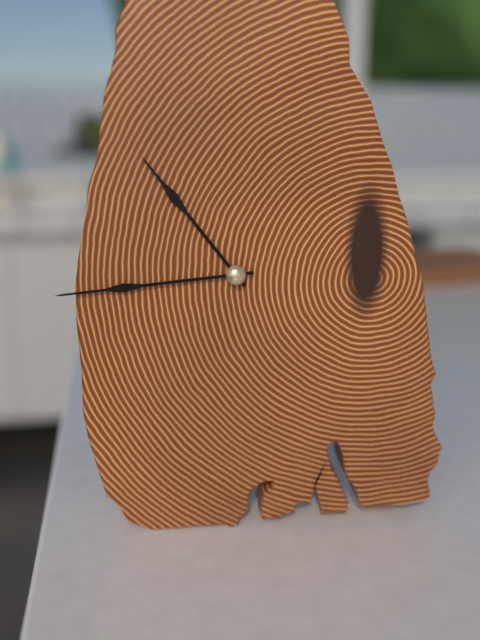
10:44
